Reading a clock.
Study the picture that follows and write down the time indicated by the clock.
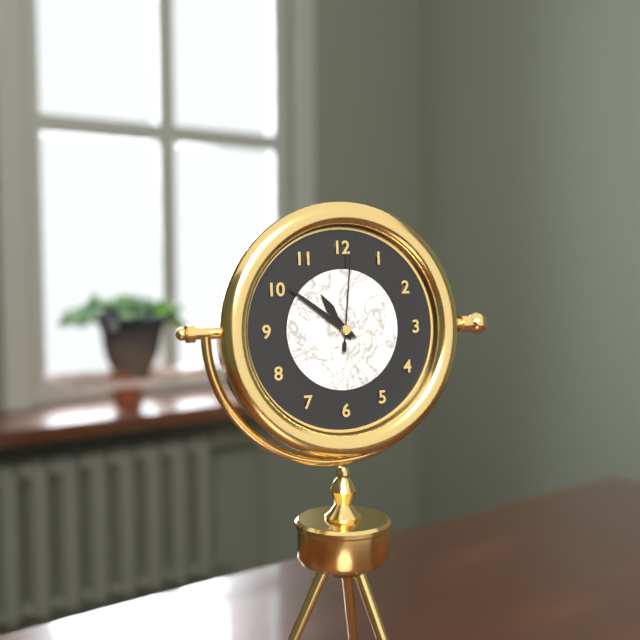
10:51:01
